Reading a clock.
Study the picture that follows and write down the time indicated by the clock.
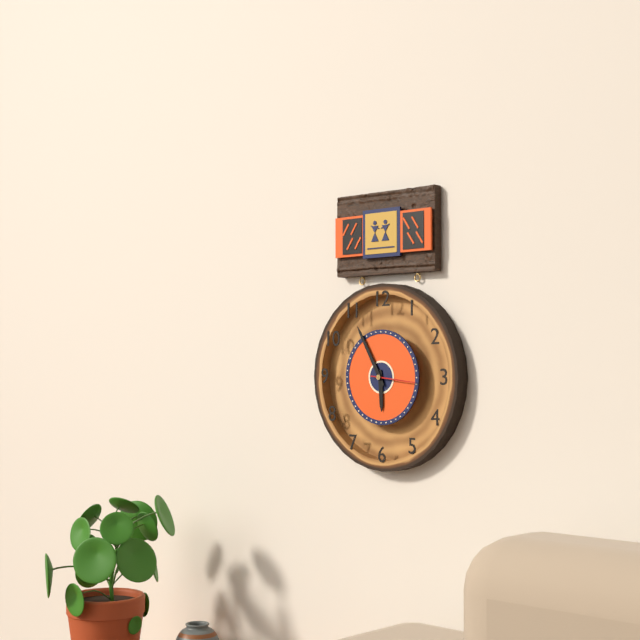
5:55
